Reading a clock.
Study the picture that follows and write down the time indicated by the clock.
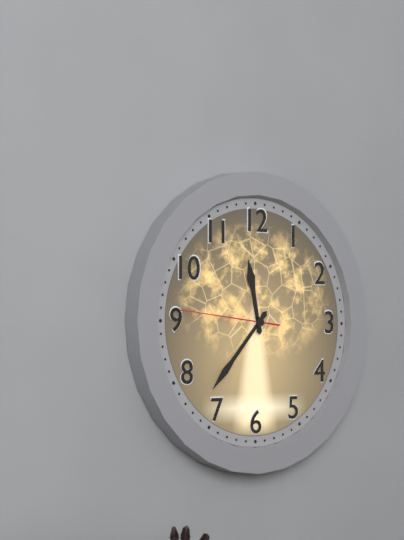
11:37:46
